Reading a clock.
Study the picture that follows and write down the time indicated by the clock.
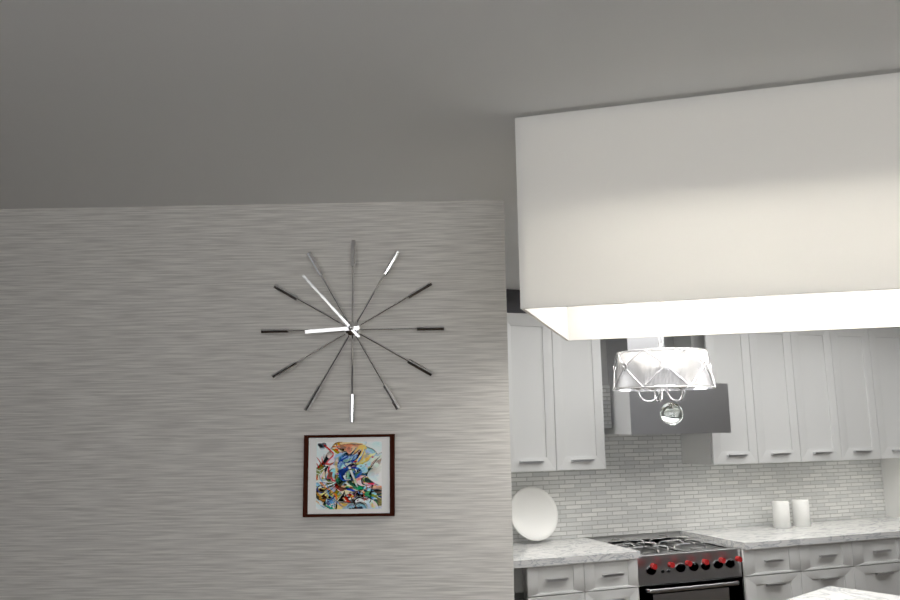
8:53
